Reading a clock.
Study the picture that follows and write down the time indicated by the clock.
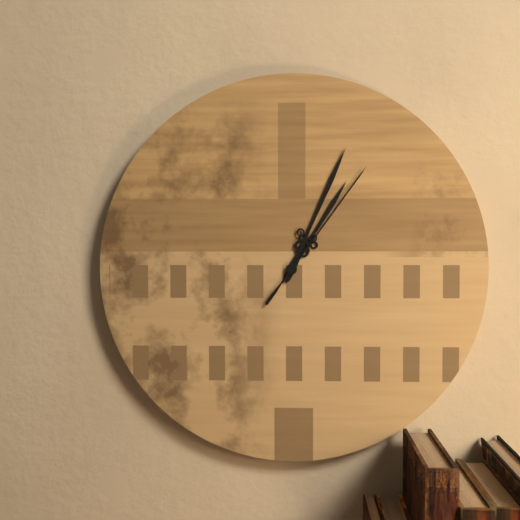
1:04:06
